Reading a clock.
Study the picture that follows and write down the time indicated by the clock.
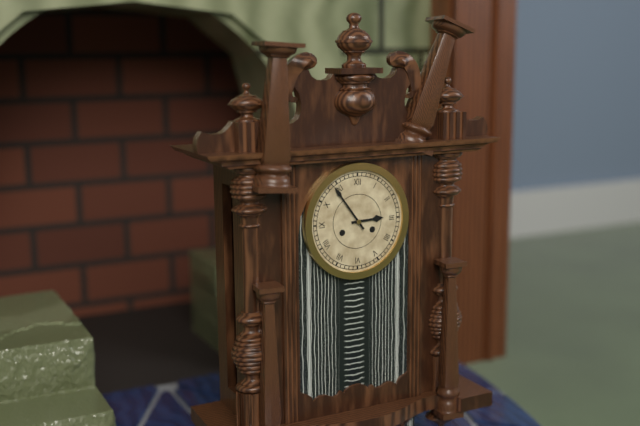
2:54
